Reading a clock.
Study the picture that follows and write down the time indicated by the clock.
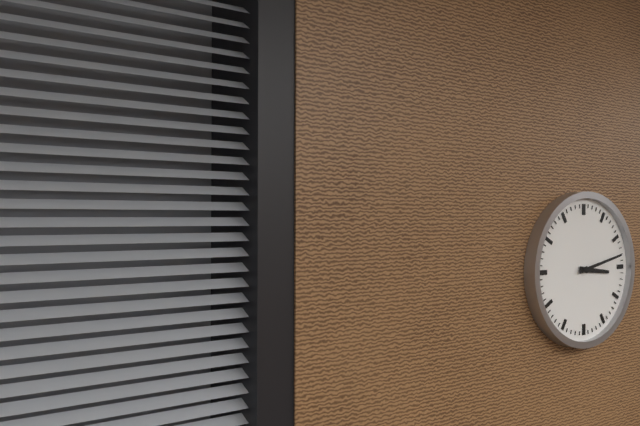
3:13
